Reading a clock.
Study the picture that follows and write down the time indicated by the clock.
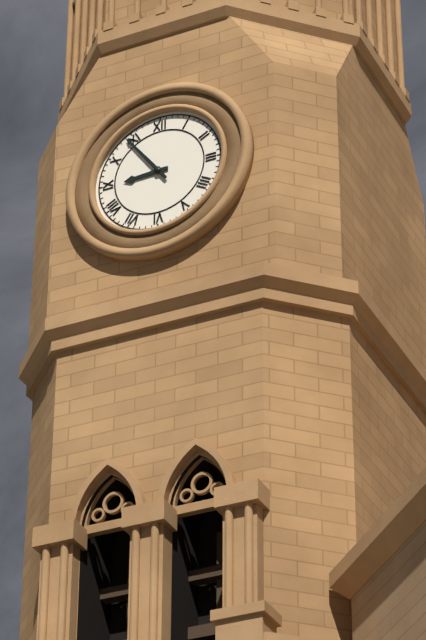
8:54
